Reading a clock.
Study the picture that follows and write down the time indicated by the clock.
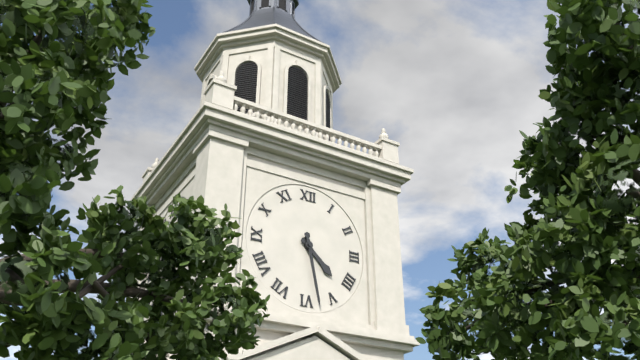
4:28
